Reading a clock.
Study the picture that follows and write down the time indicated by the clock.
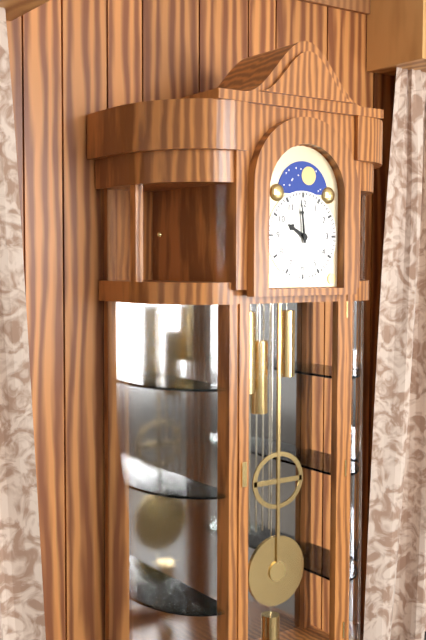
9:59
